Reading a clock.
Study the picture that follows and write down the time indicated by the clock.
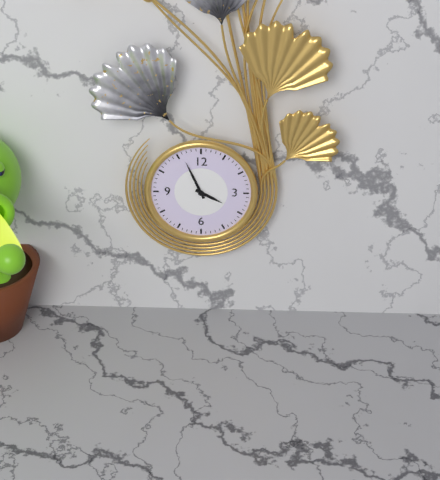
3:56
